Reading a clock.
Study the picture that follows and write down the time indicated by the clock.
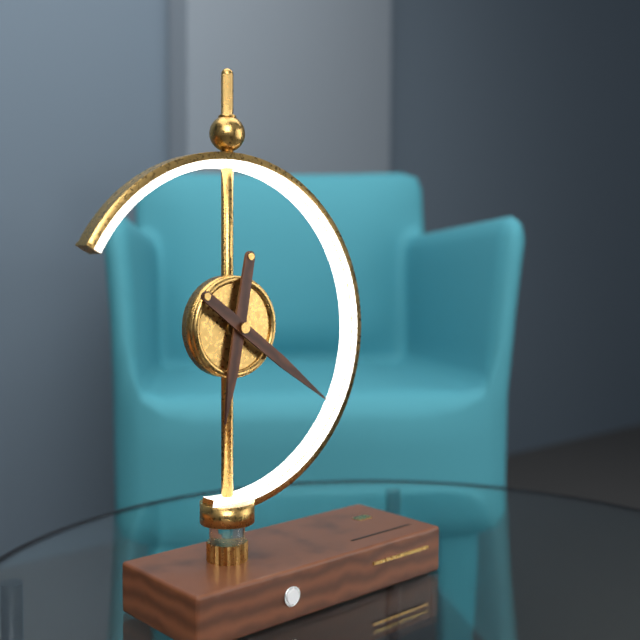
6:21
